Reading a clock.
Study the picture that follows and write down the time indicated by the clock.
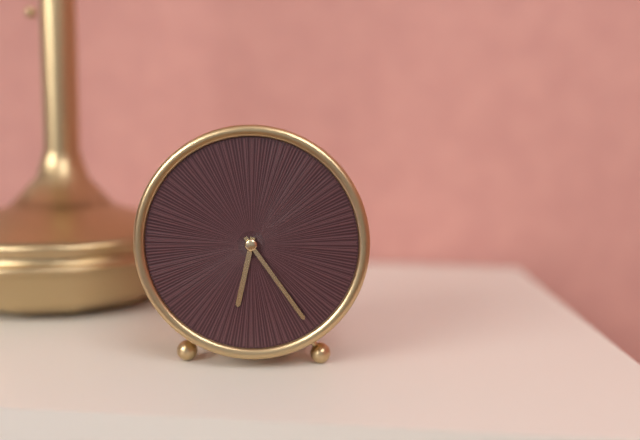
6:24
